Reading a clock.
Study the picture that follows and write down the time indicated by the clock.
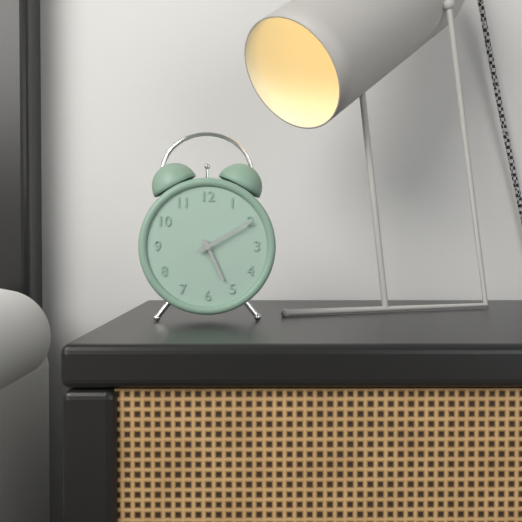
5:10
